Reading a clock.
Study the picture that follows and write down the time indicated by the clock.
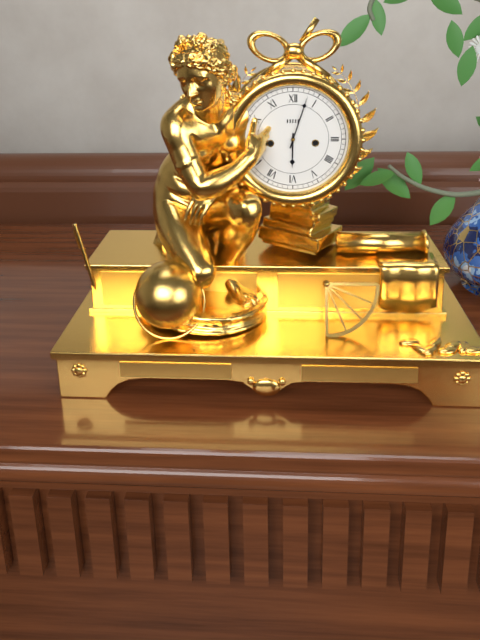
6:03
